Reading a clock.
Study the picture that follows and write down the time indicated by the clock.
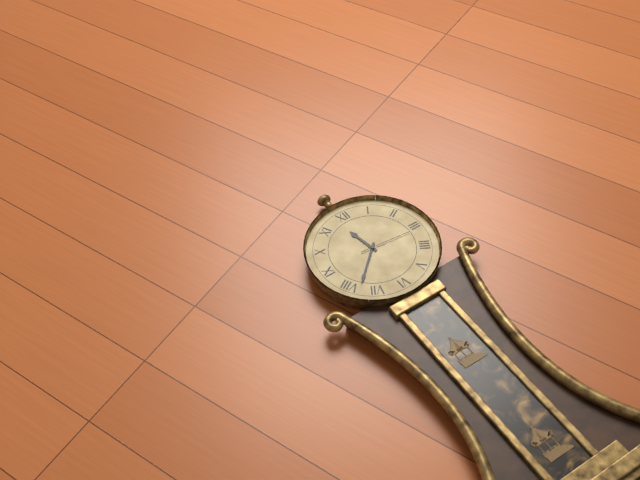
11:38:16
